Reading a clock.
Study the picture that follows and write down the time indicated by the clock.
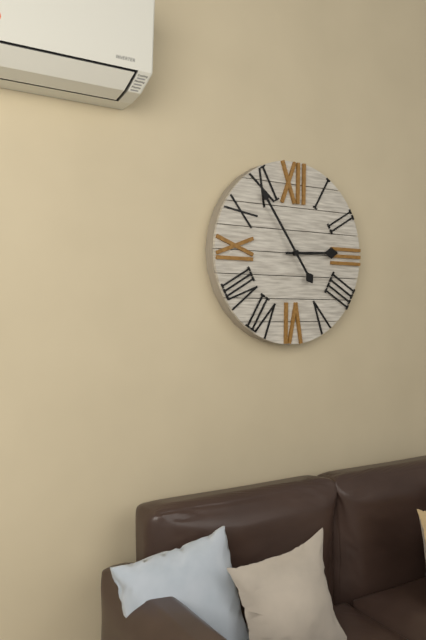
2:54
